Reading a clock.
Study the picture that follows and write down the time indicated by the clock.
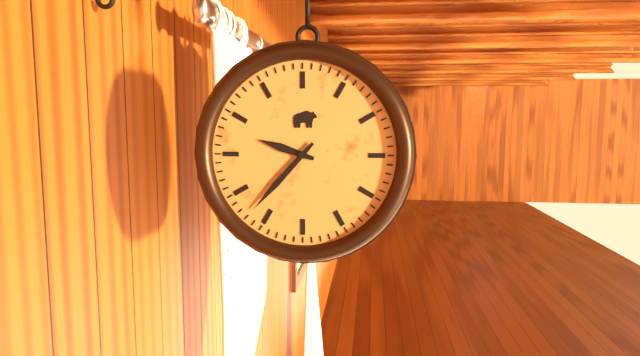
9:37
